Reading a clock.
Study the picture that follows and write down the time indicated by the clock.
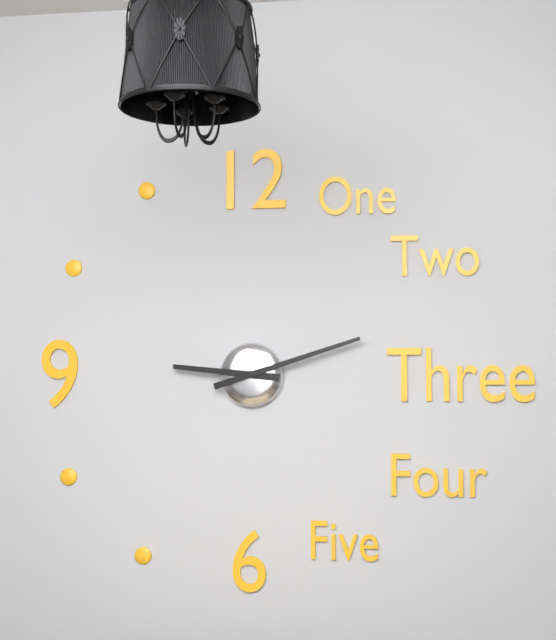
9:12
